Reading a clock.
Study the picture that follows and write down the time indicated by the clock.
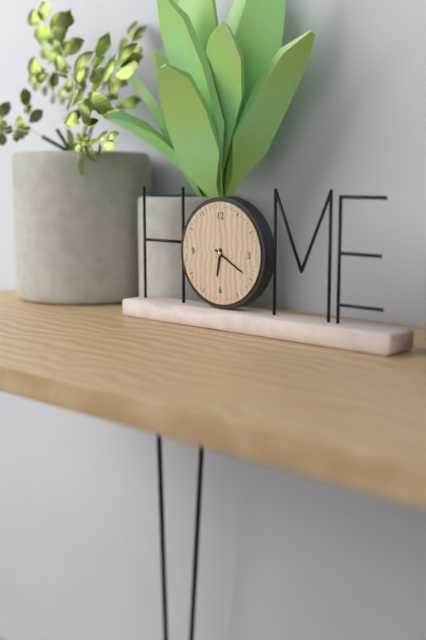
6:20
